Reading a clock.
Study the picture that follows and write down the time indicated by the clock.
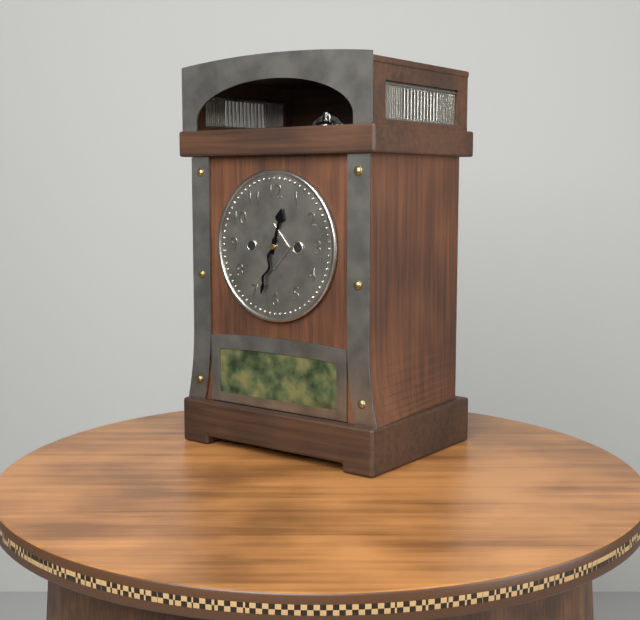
12:33
